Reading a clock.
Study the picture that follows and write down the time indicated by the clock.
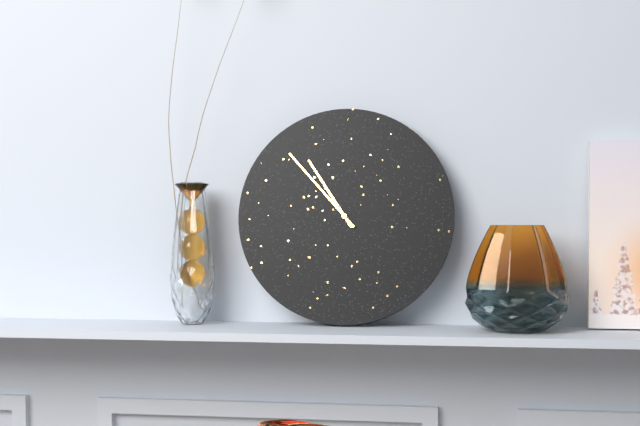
10:53
